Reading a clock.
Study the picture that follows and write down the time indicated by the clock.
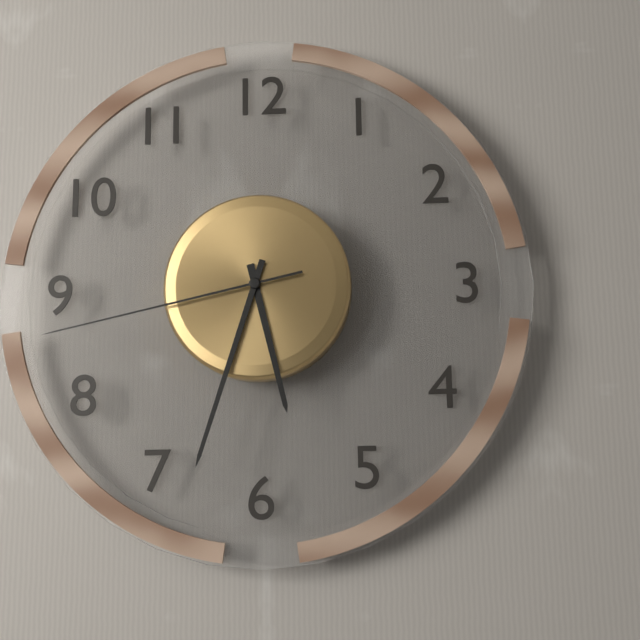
5:33:43
